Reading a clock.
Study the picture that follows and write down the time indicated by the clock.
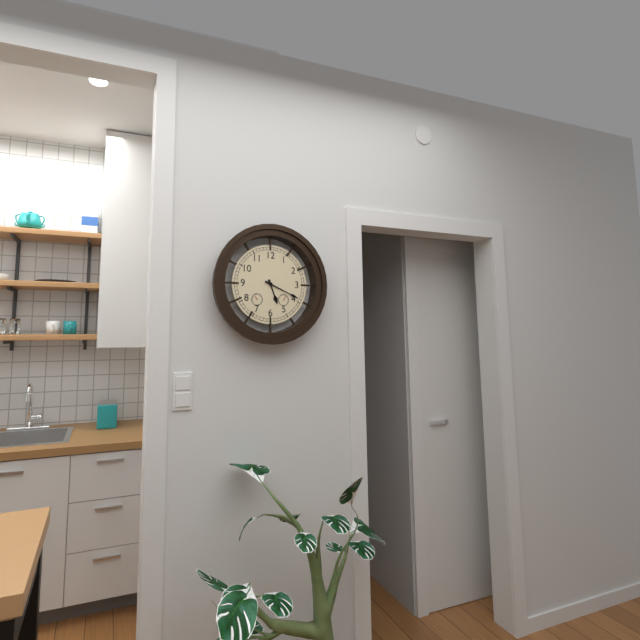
5:19
